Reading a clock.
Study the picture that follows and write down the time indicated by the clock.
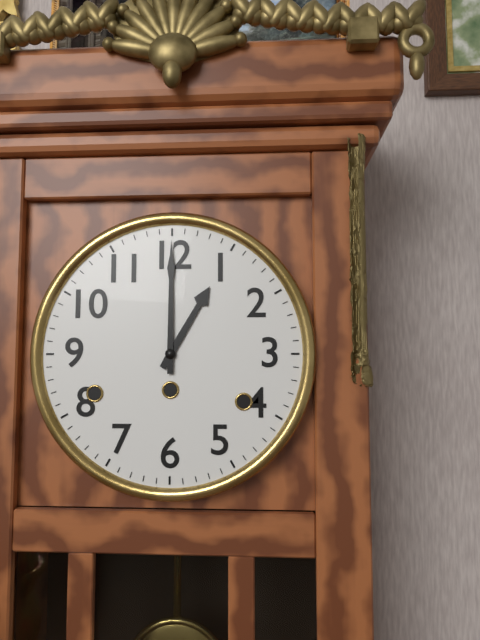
1:00
